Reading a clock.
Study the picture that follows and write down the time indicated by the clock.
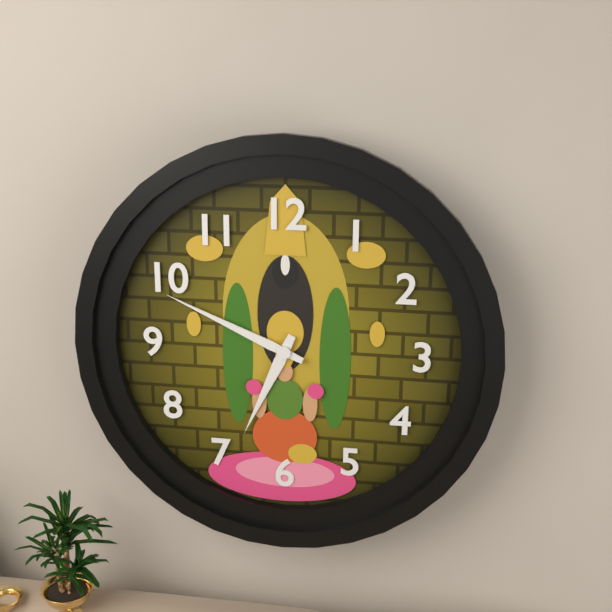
6:49
